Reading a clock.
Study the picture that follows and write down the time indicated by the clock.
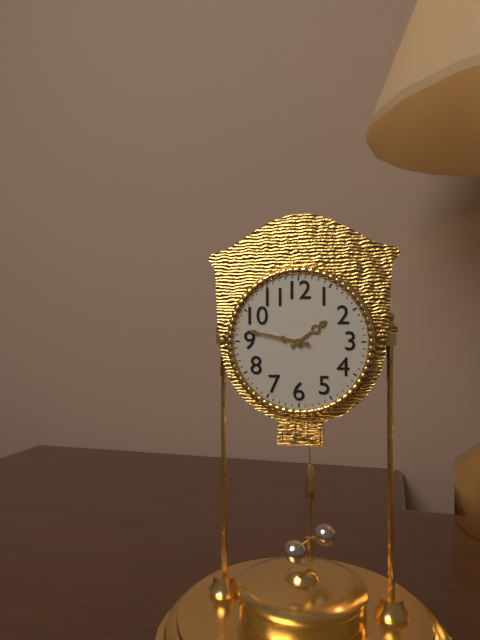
1:47
